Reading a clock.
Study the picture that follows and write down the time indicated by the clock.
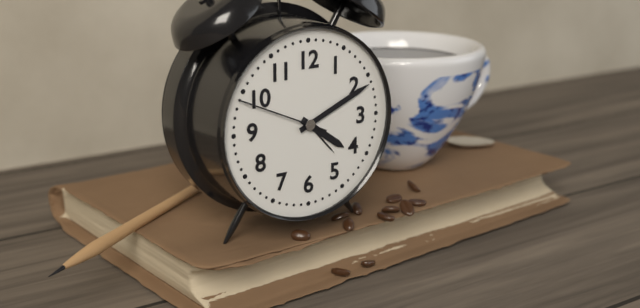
4:11:49
